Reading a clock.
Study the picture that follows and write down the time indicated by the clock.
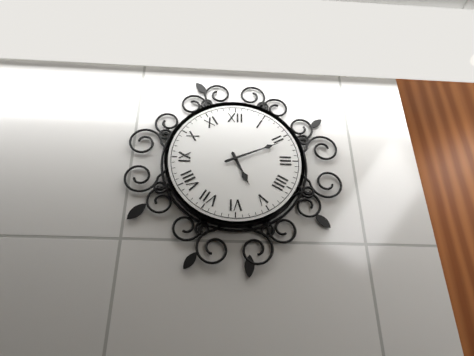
5:11
